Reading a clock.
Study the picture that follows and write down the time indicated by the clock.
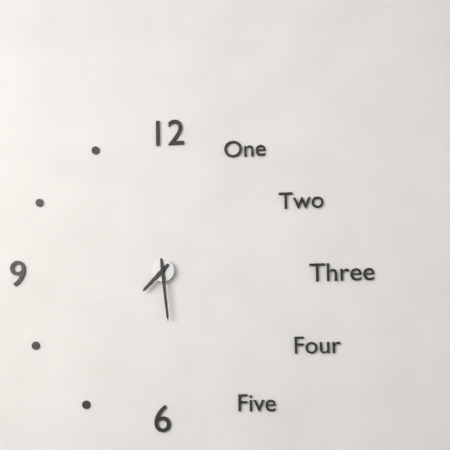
7:29
